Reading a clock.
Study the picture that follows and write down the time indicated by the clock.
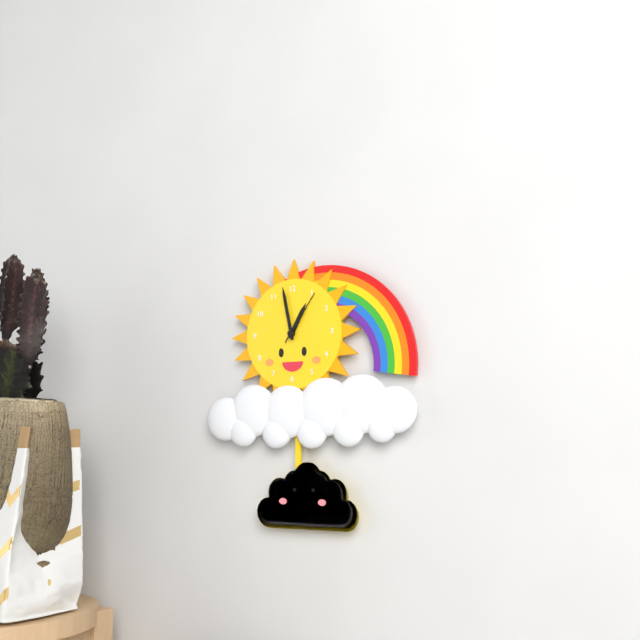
12:58:06
